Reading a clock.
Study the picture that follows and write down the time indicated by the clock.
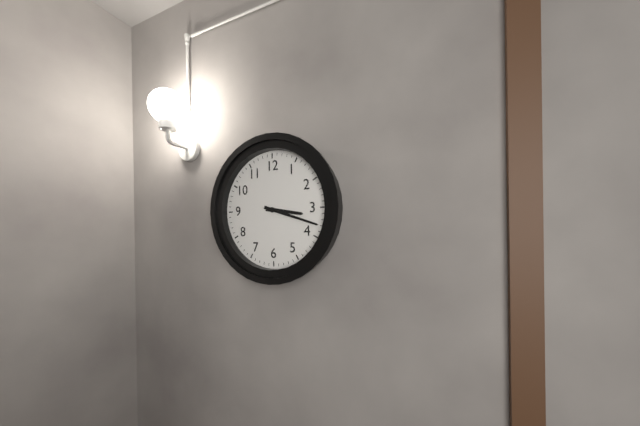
3:18
